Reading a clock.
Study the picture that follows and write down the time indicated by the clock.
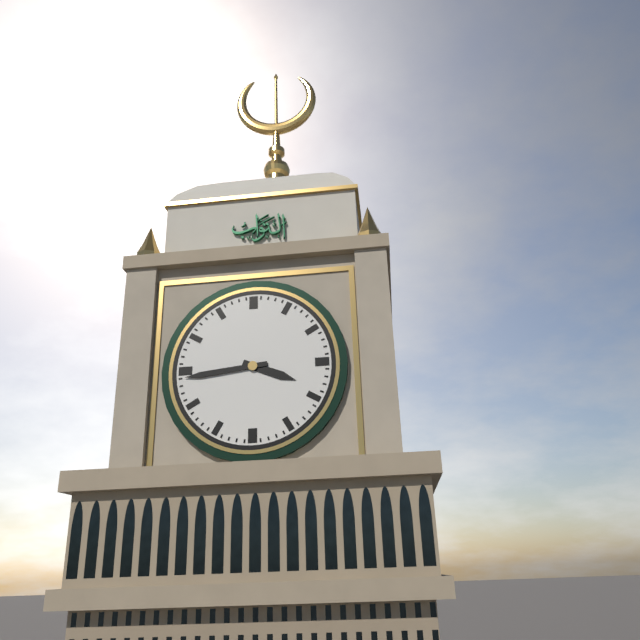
3:44
